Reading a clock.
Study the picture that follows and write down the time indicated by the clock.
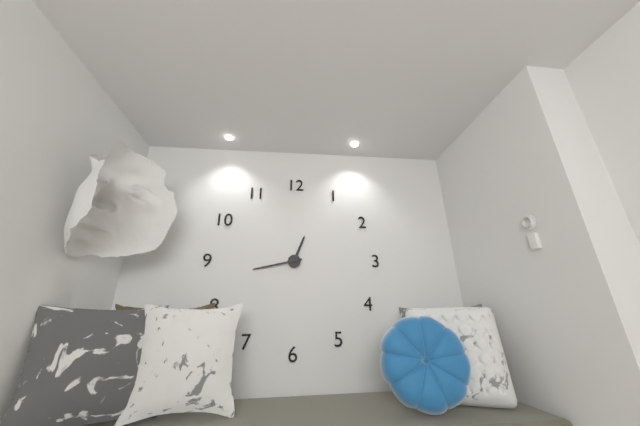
12:43
